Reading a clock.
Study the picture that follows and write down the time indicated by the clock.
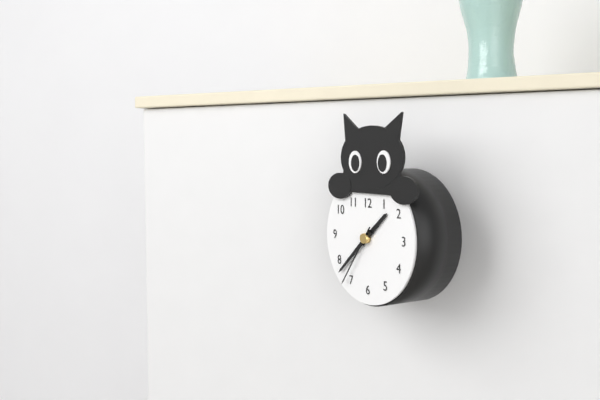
1:38:36
